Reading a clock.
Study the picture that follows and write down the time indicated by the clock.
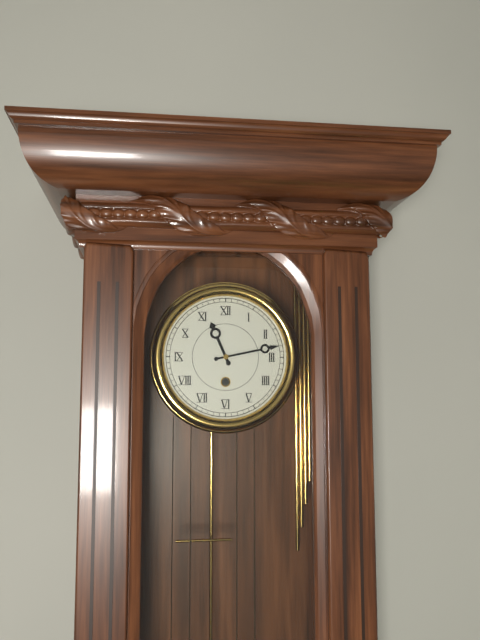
11:13
